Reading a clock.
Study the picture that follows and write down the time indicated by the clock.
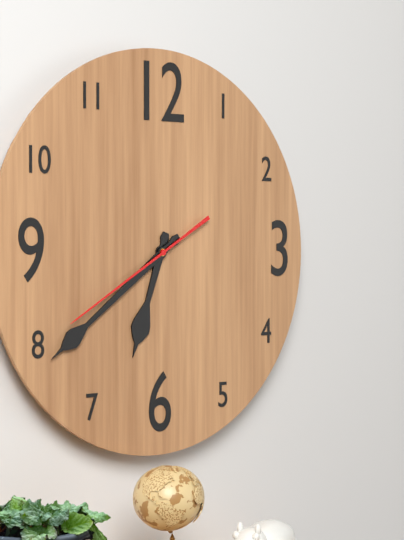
6:39:40
